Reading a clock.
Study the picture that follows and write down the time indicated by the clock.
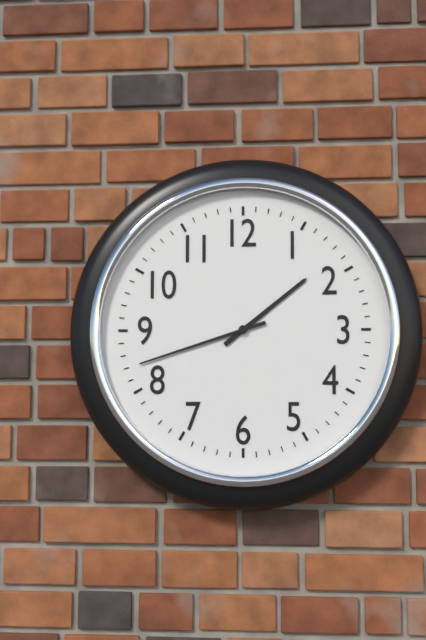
1:42
